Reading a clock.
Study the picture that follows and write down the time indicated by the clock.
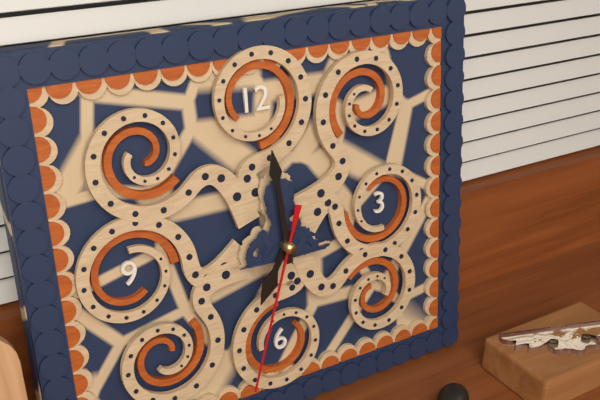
6:59:33
